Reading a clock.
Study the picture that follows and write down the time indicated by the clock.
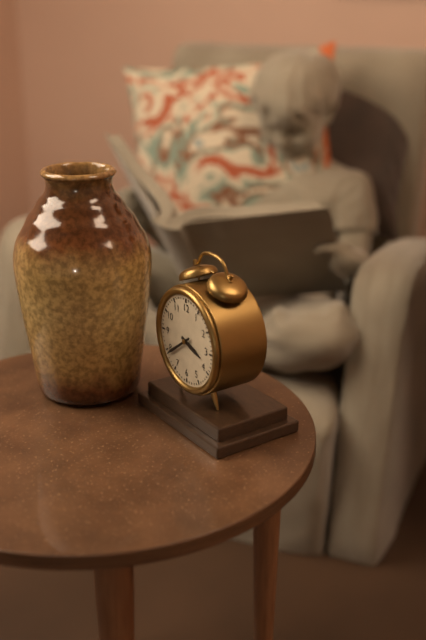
3:39
